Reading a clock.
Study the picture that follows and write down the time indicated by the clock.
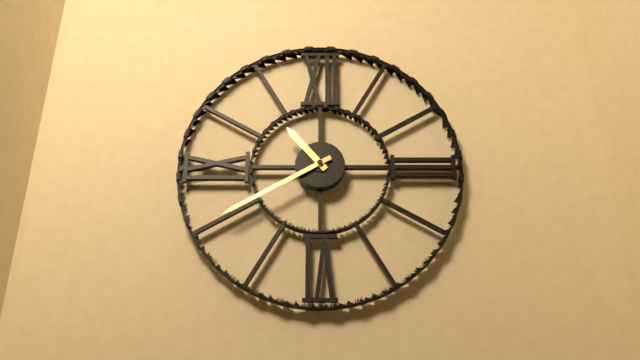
10:40
